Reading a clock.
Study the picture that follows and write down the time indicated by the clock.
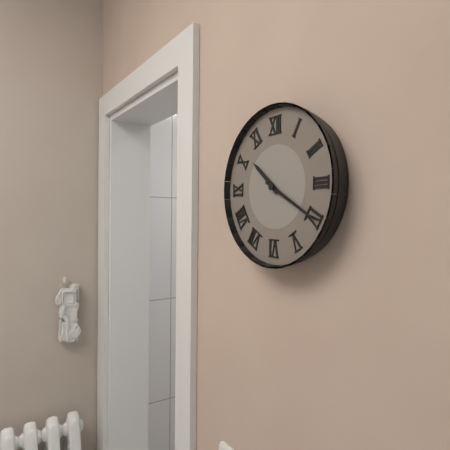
10:20
